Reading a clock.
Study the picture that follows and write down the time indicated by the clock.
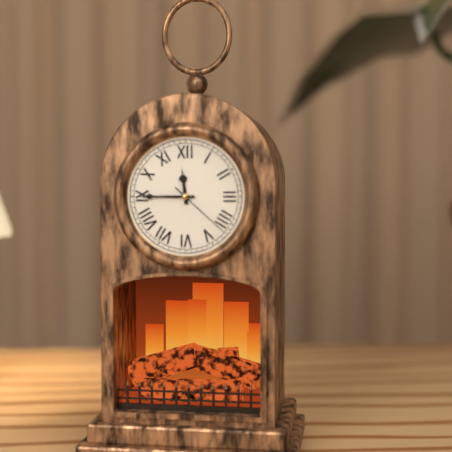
11:45:22
